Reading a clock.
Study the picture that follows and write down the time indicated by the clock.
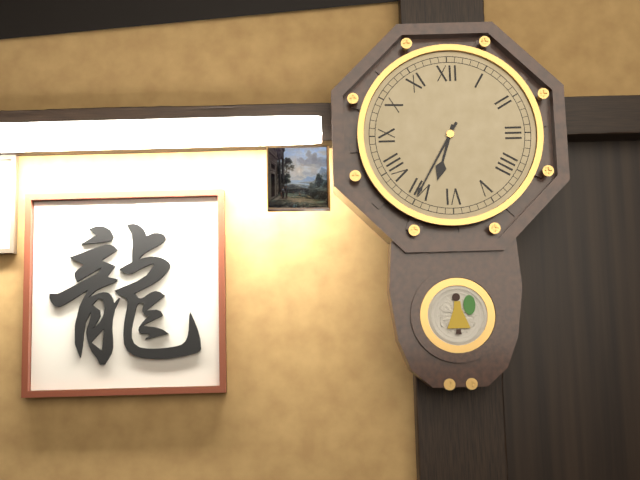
6:35
